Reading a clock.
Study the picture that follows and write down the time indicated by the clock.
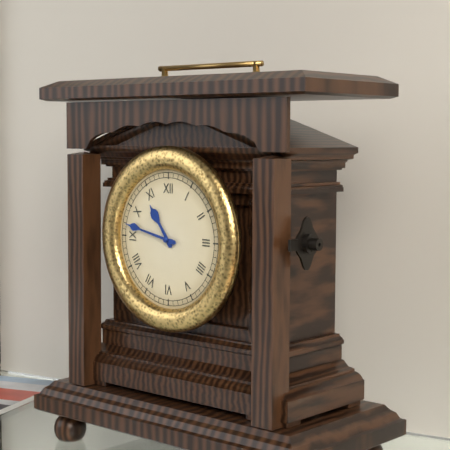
10:47
